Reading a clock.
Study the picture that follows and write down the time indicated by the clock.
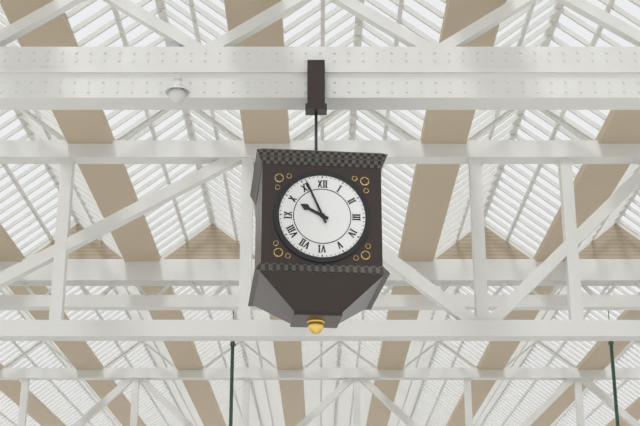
9:56
